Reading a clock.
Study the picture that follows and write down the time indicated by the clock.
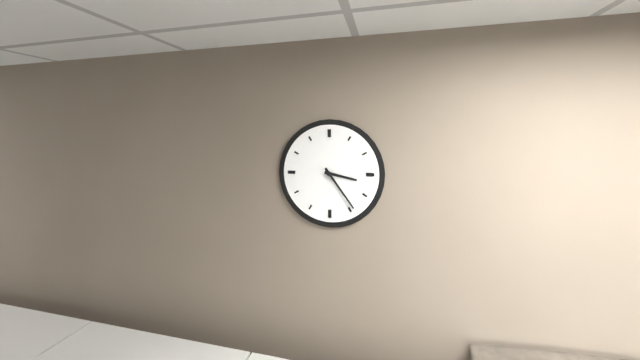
3:24
